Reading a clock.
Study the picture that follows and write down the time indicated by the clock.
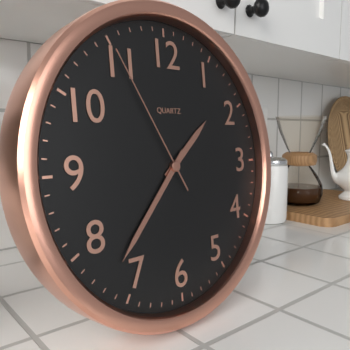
1:37:55
